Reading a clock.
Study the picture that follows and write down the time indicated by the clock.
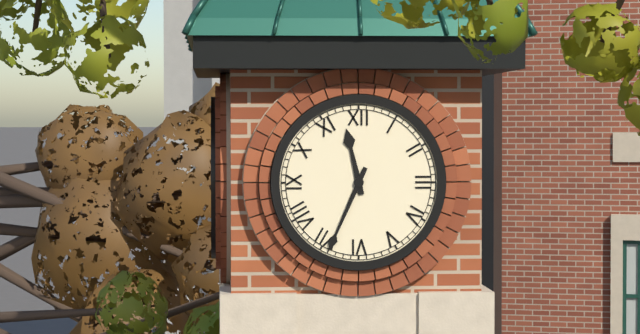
11:34
